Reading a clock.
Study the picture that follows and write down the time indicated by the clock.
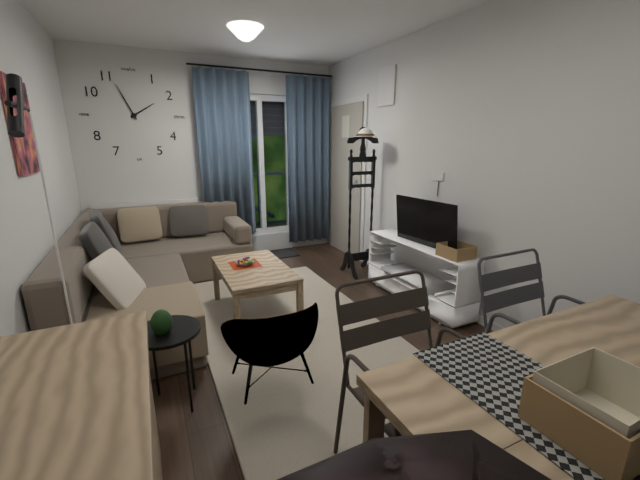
1:56
